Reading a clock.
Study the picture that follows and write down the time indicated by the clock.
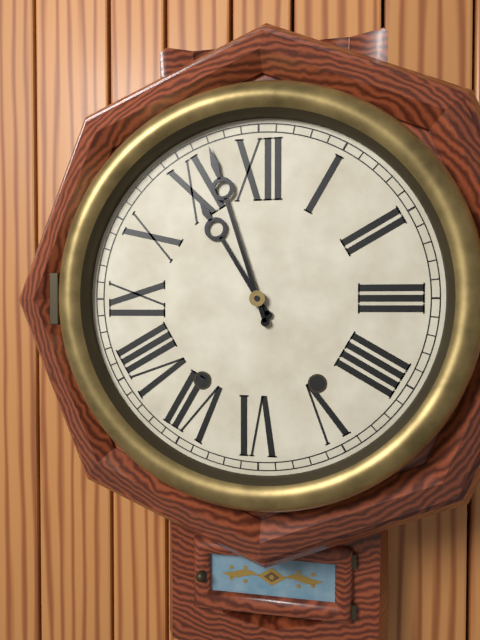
10:57
